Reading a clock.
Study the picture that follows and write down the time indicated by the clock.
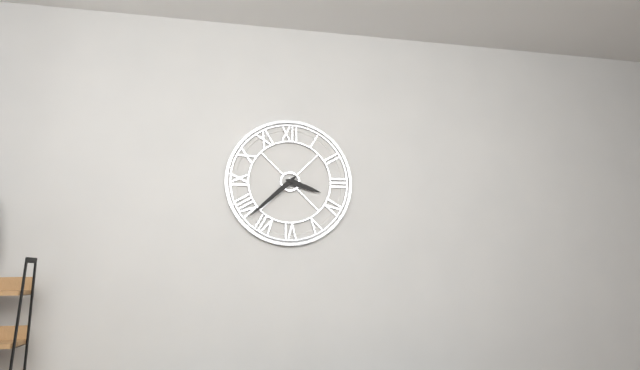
3:38
